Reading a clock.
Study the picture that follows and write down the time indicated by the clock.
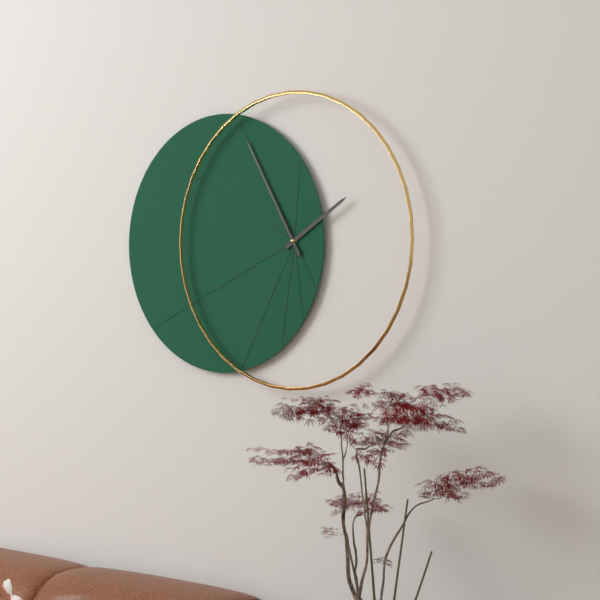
1:55
